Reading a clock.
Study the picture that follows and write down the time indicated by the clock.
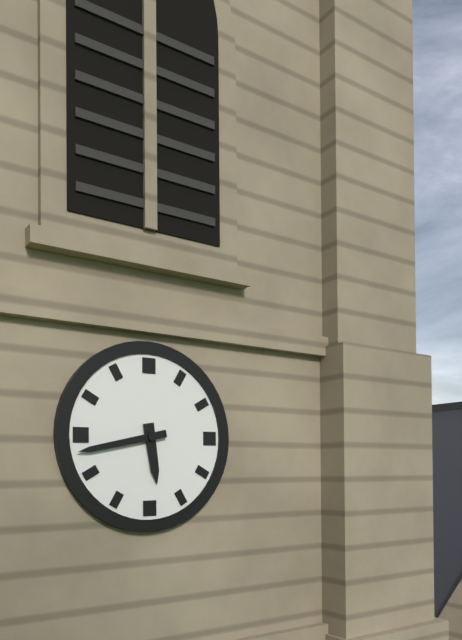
5:43
